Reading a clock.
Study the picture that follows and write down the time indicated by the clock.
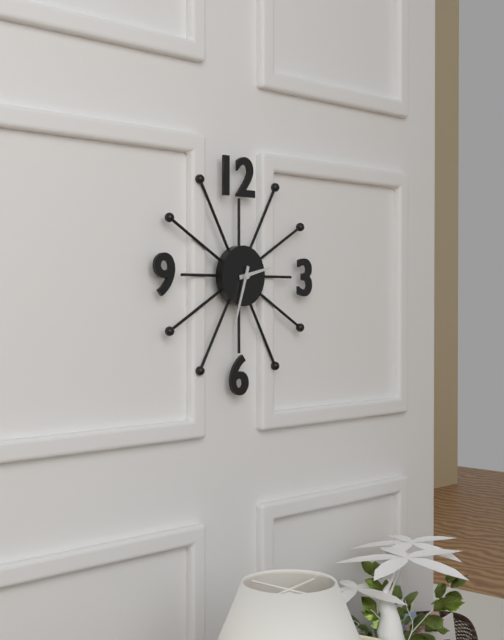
2:33
